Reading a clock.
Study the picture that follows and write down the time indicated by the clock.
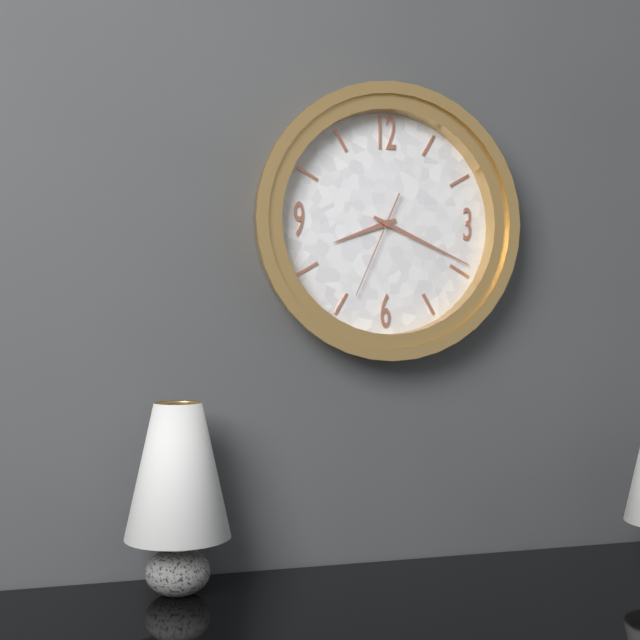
8:19:34
